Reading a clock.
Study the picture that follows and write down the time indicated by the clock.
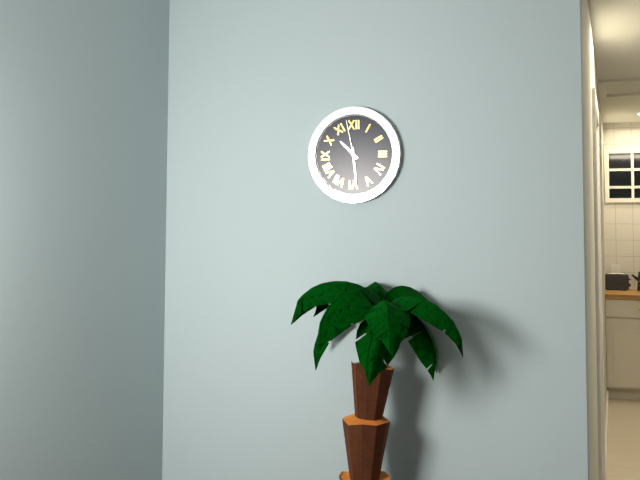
10:29
